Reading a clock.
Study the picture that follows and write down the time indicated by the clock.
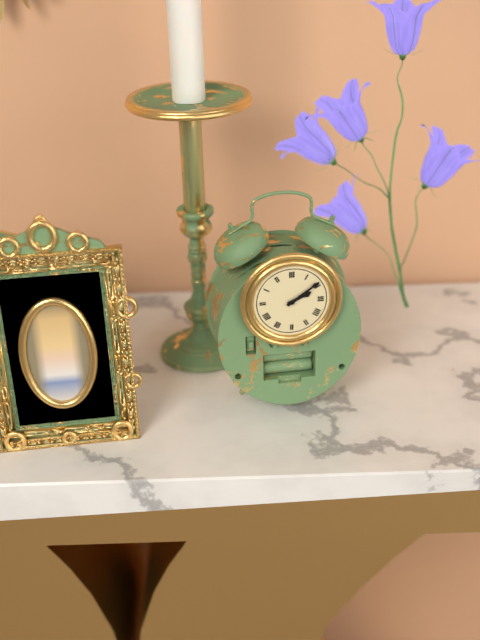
2:09
